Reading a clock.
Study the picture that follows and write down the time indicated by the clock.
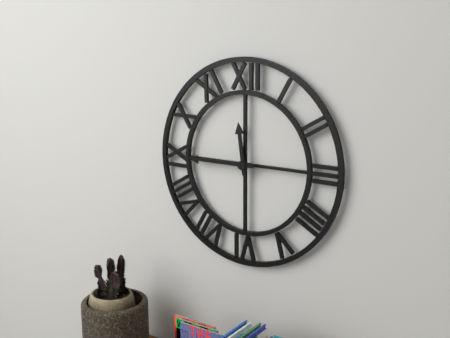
11:45
